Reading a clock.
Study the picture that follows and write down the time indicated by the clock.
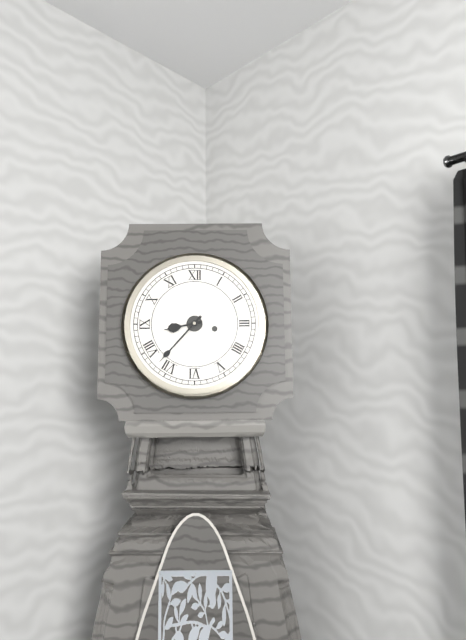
8:37
